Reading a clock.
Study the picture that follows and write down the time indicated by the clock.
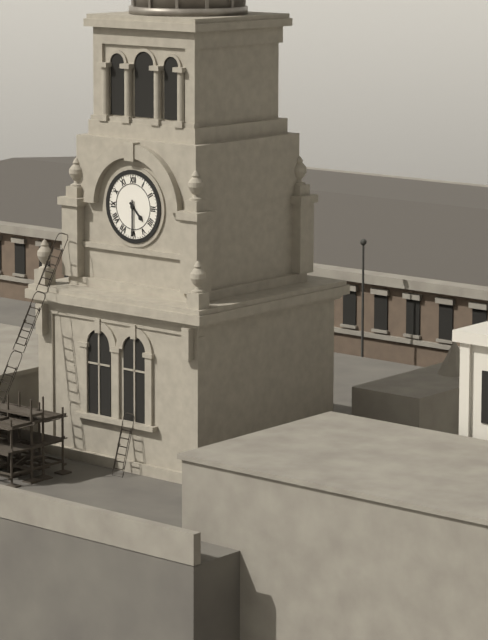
4:30
